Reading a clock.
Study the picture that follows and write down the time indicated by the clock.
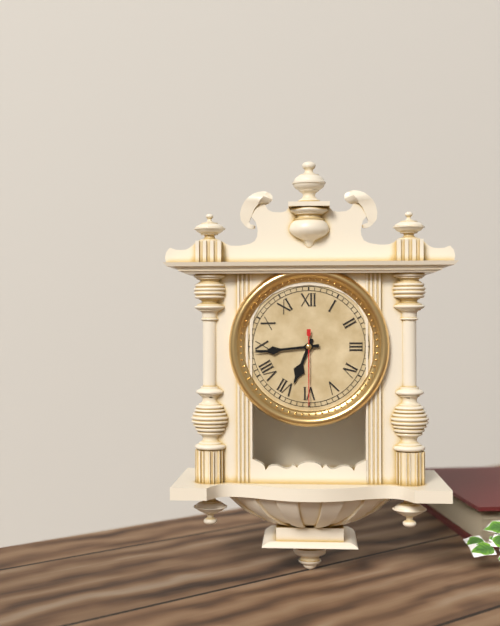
6:44:30
